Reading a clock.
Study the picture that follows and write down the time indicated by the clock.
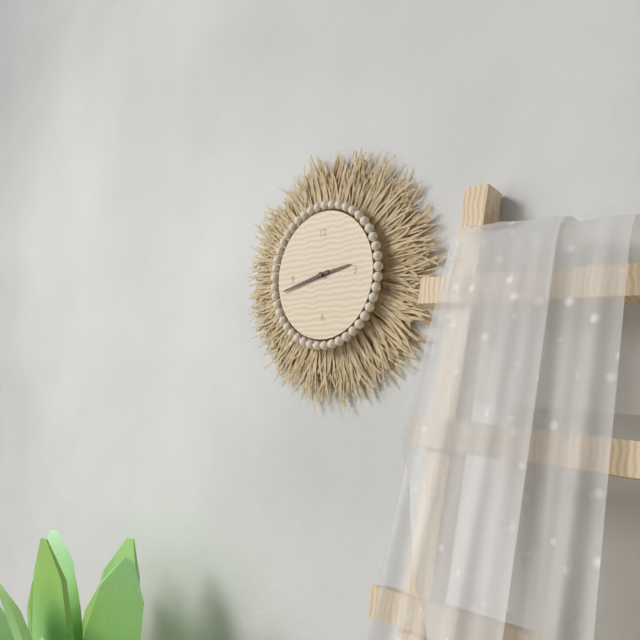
2:43
